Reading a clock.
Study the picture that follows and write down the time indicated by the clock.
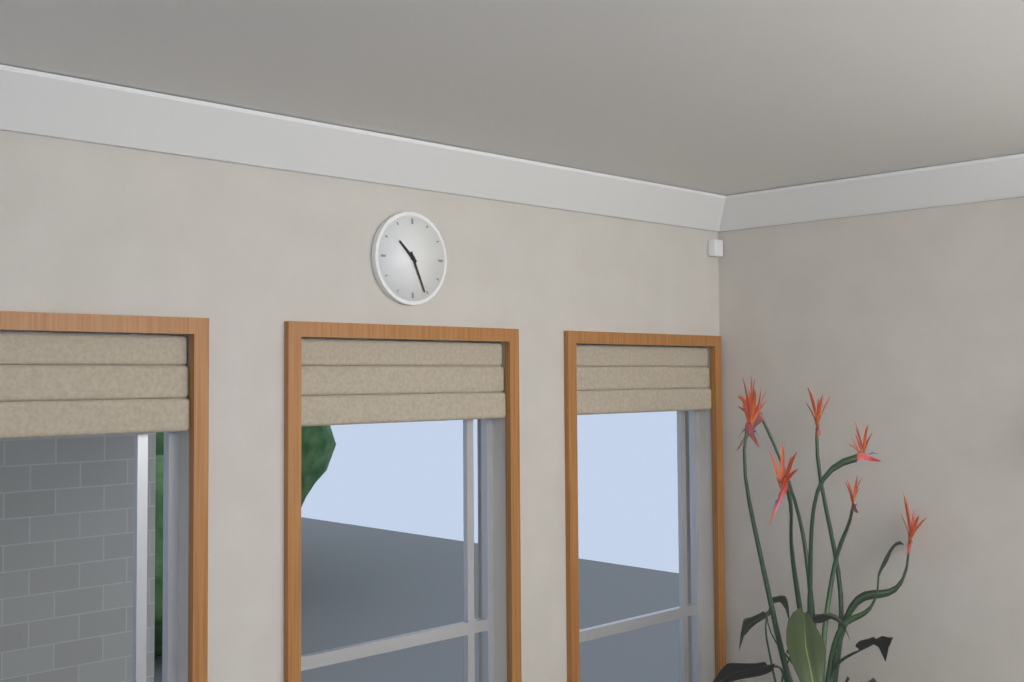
10:26
